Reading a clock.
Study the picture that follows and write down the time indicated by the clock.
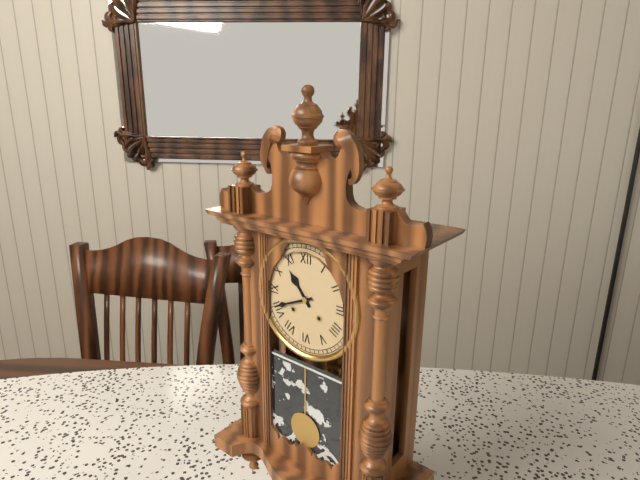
10:41
